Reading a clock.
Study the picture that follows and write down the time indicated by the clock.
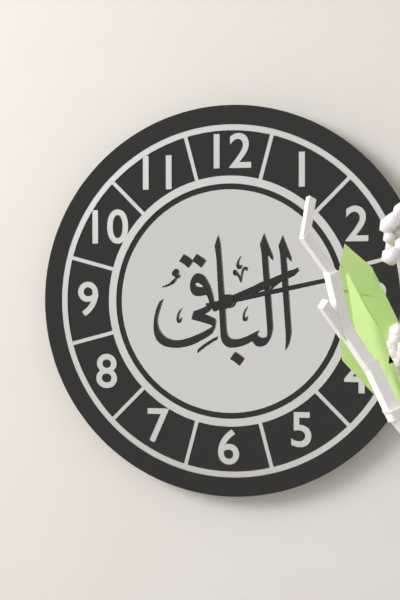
2:13
